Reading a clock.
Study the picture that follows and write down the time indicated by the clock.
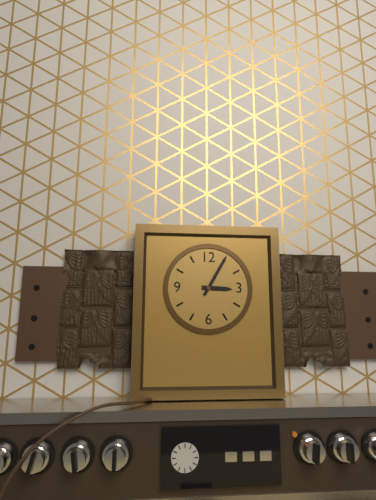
3:05
